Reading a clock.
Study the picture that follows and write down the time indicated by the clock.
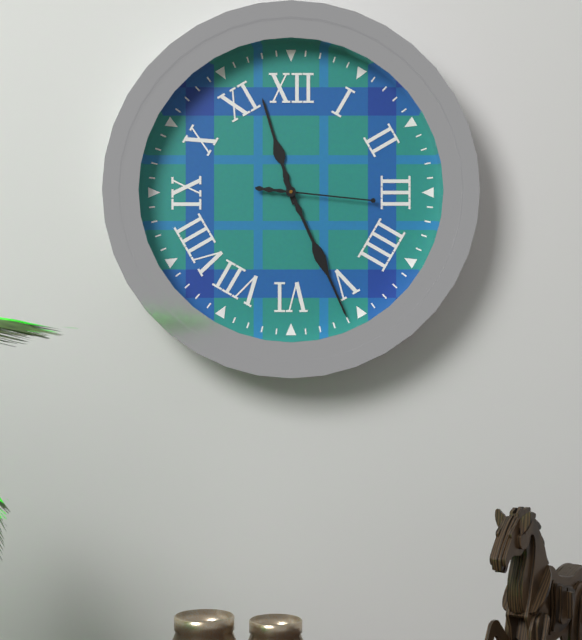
11:26:16
